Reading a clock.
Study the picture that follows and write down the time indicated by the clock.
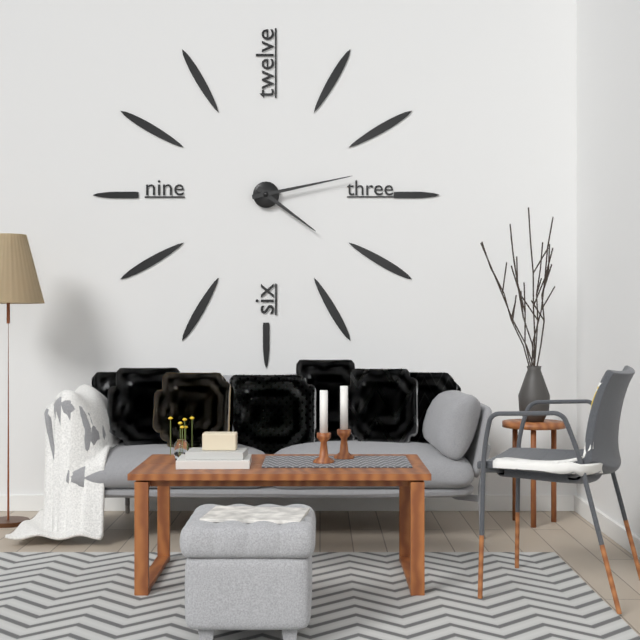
4:13
